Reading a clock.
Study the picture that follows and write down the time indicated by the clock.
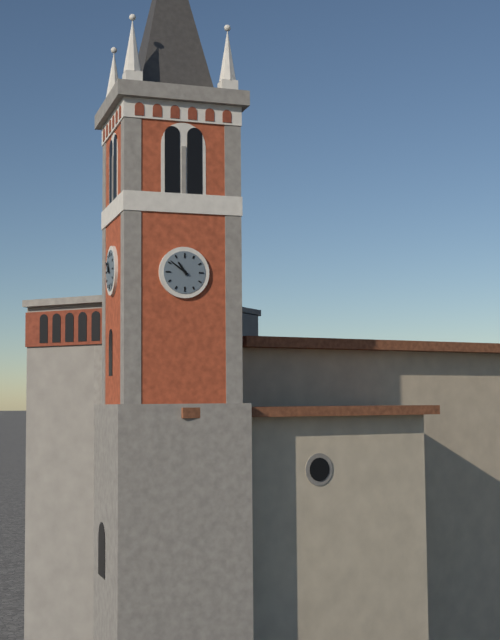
10:51
